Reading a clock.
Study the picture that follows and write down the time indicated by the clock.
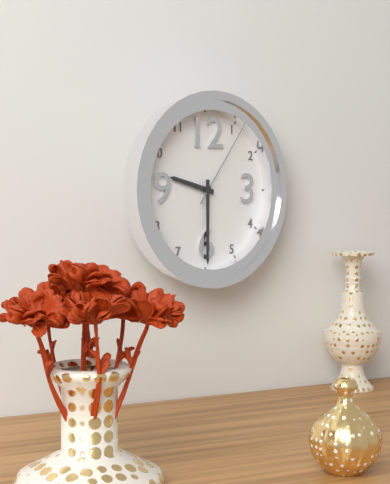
9:30:06
